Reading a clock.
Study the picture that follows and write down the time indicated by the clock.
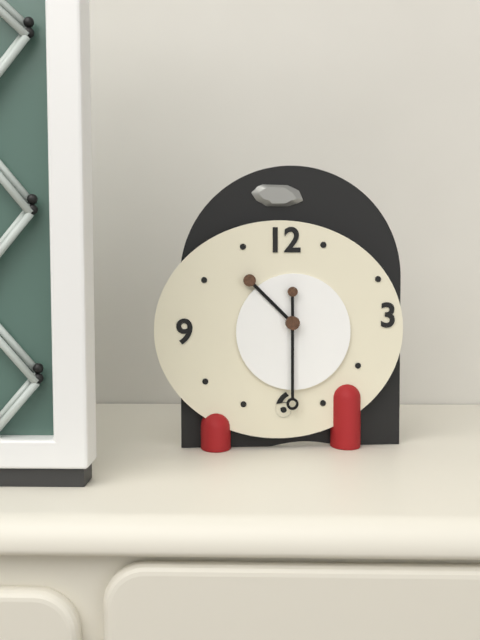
10:30
